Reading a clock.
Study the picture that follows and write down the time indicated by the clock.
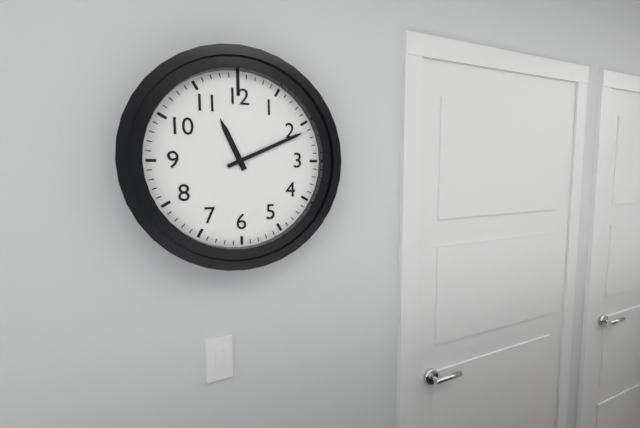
11:11
